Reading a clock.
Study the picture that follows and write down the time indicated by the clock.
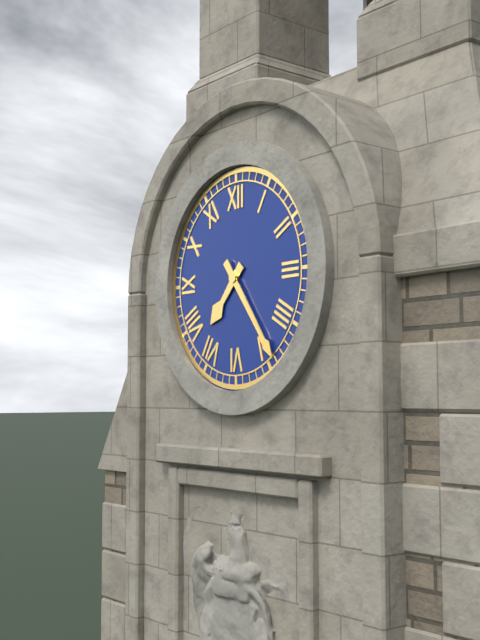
7:24
